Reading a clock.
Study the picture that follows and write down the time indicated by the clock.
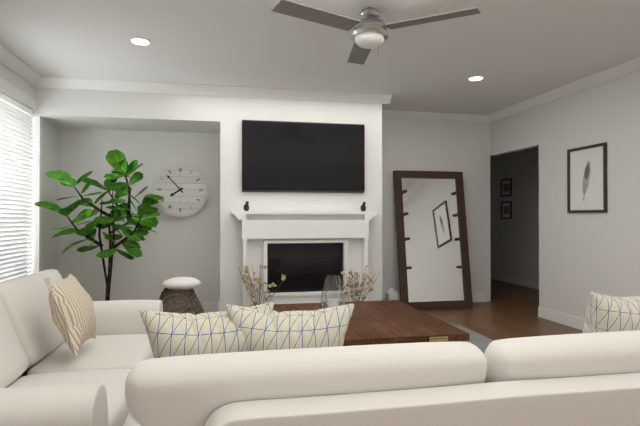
7:53
